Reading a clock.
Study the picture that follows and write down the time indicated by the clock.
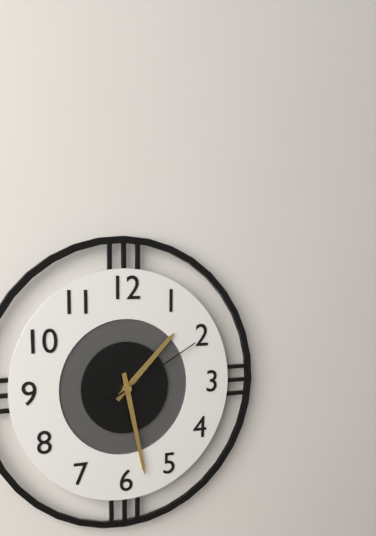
1:28:10
